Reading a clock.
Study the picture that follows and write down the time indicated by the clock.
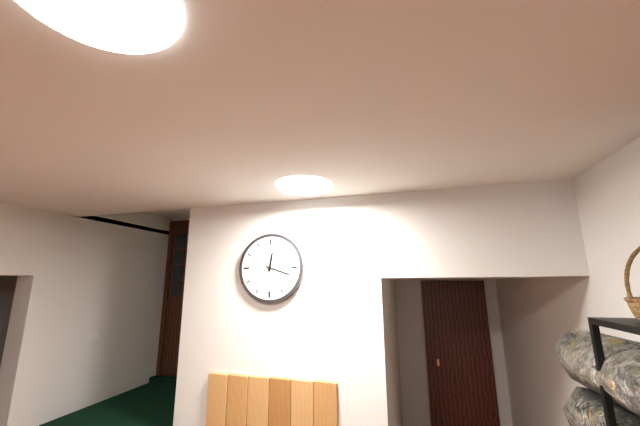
12:18
